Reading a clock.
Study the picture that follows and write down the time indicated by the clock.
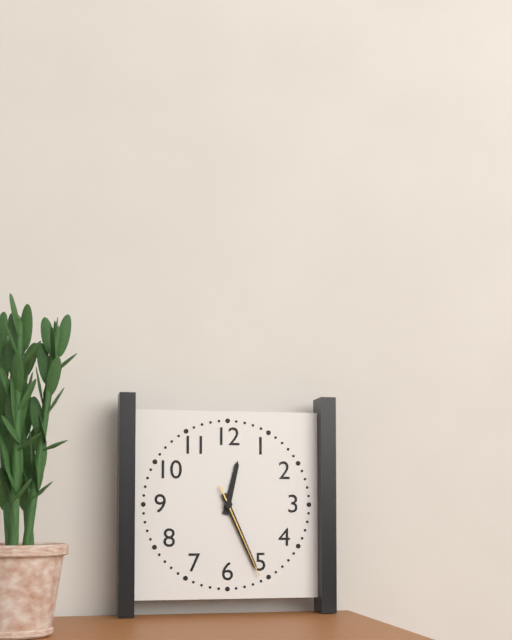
12:26:26
